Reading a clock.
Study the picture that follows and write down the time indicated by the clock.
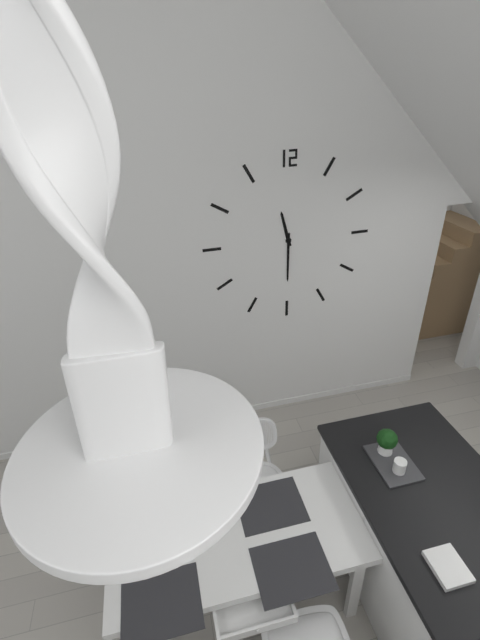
11:30
